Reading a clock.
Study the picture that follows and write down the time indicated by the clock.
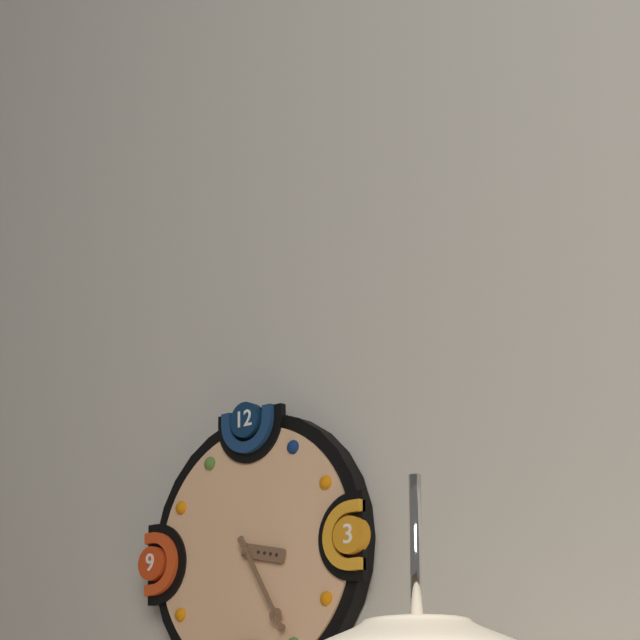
3:25
